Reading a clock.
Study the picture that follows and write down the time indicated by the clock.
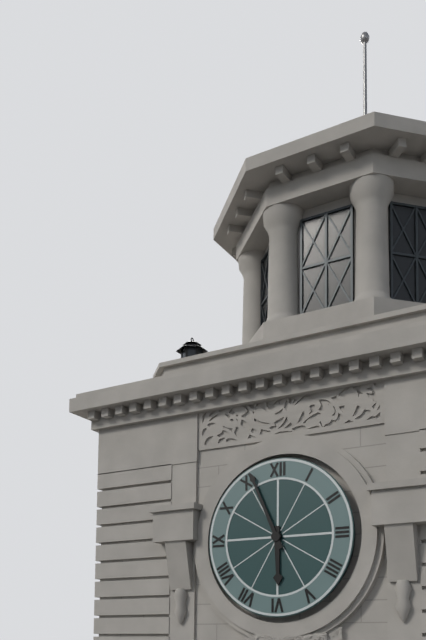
5:56
